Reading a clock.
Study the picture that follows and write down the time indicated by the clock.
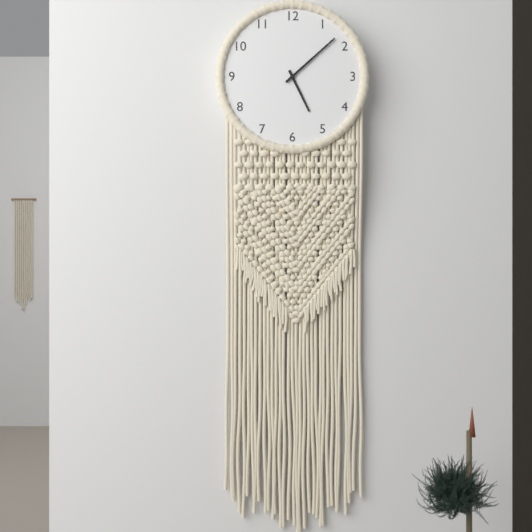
5:08
